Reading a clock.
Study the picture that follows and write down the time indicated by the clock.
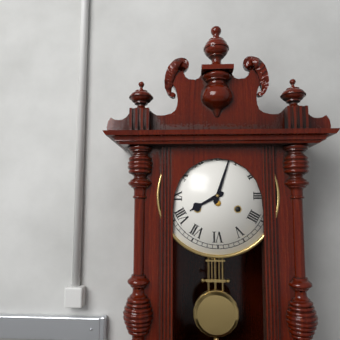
8:03
